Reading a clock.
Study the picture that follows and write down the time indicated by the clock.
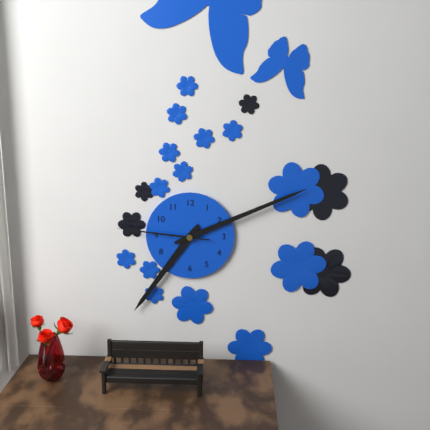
7:11:46
